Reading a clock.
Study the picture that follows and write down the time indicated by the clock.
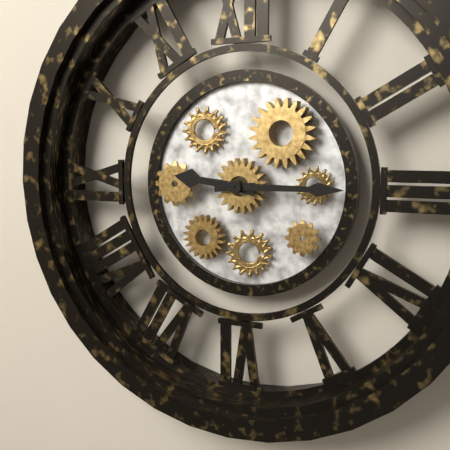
9:15
